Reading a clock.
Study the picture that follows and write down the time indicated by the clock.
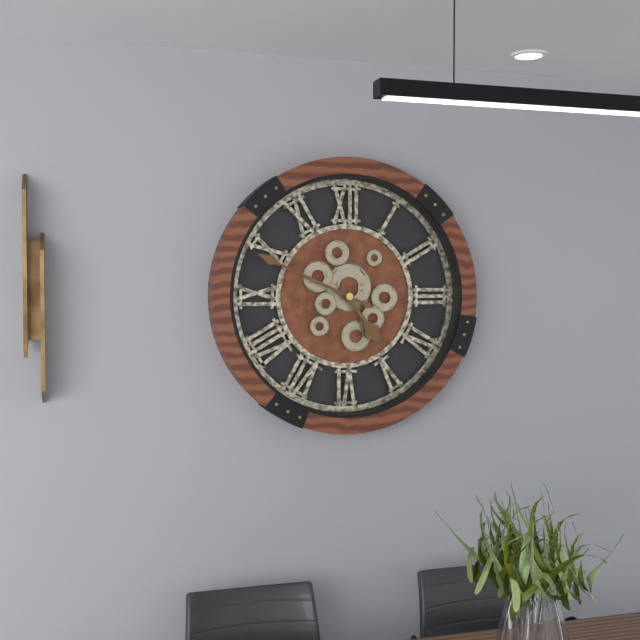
4:49
